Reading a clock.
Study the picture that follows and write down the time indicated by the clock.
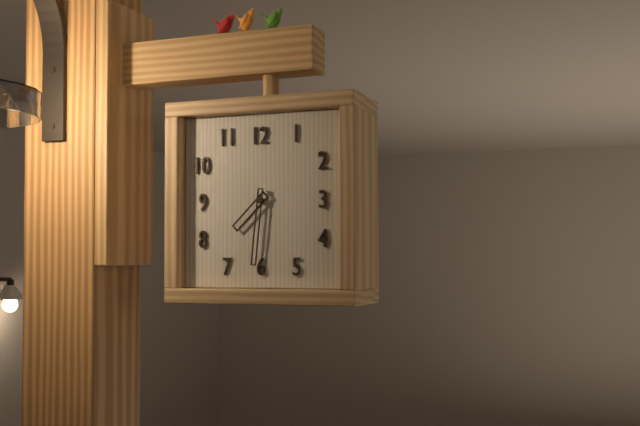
7:31
